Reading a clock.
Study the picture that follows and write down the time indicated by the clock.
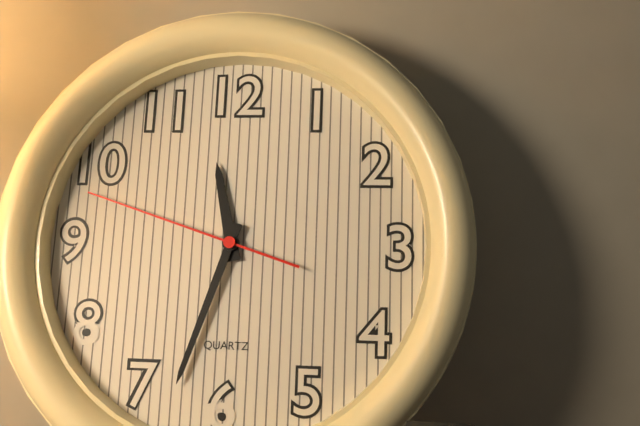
11:33:48
